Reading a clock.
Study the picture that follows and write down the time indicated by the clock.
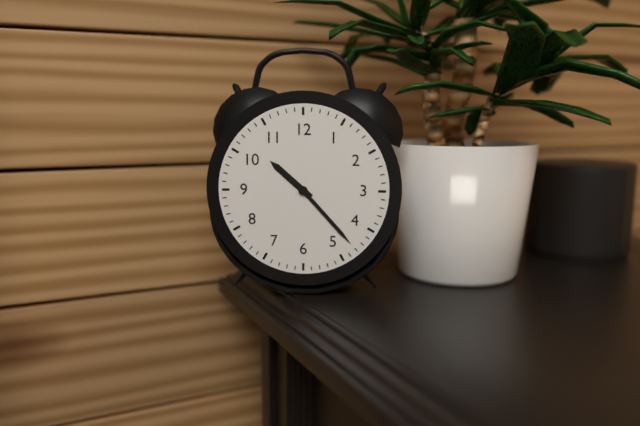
10:23
